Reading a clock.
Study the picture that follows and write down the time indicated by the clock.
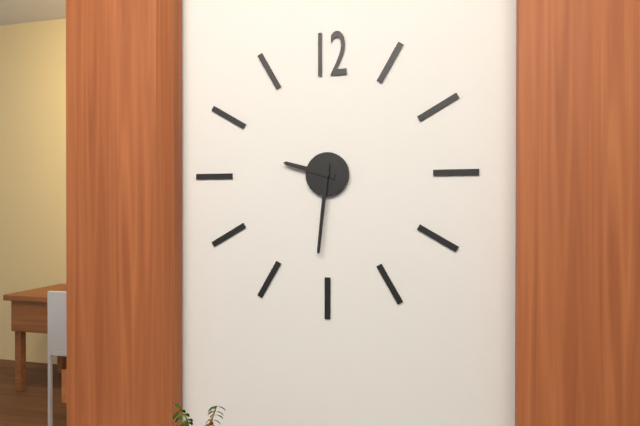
9:31
